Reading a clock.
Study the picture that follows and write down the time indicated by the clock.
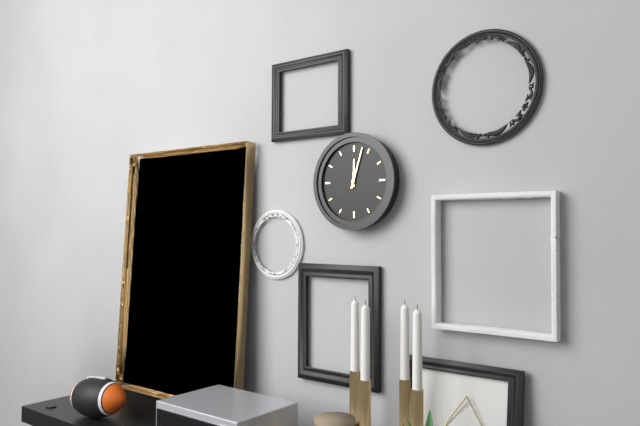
12:03
